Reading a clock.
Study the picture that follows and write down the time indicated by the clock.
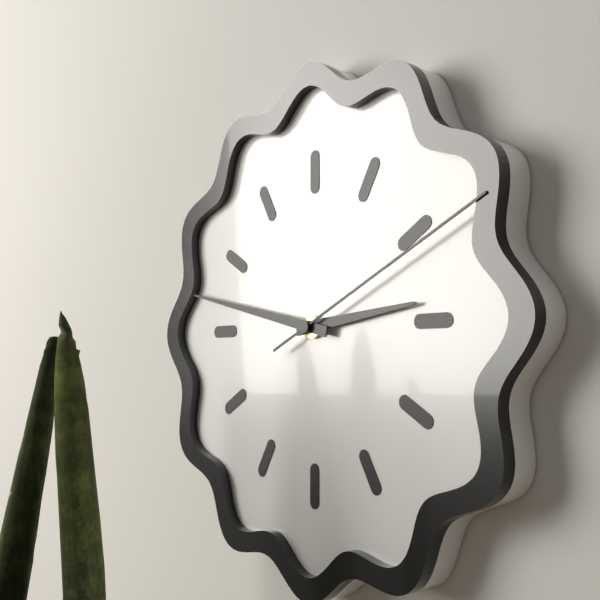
2:47:11
